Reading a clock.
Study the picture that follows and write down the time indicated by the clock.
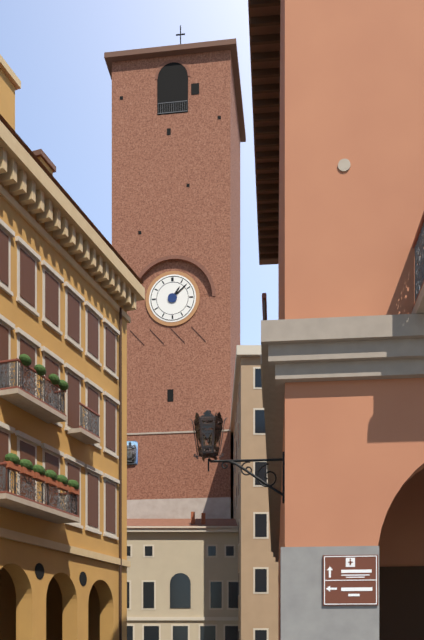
1:08
